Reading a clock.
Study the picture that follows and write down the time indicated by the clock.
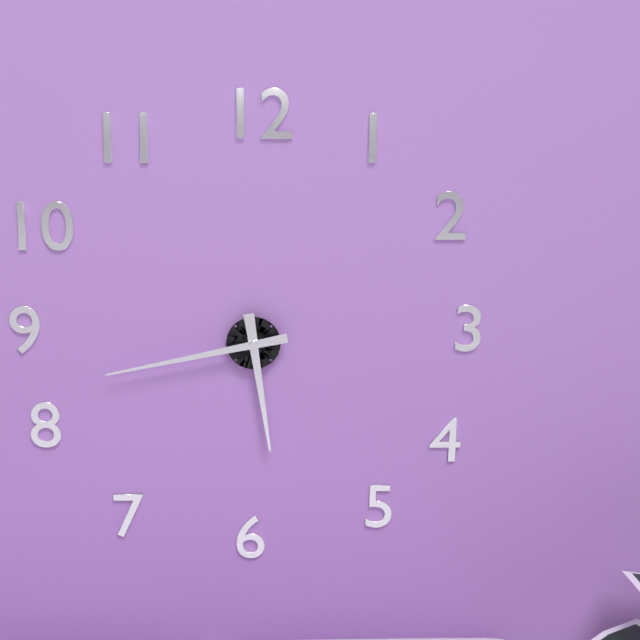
5:43
